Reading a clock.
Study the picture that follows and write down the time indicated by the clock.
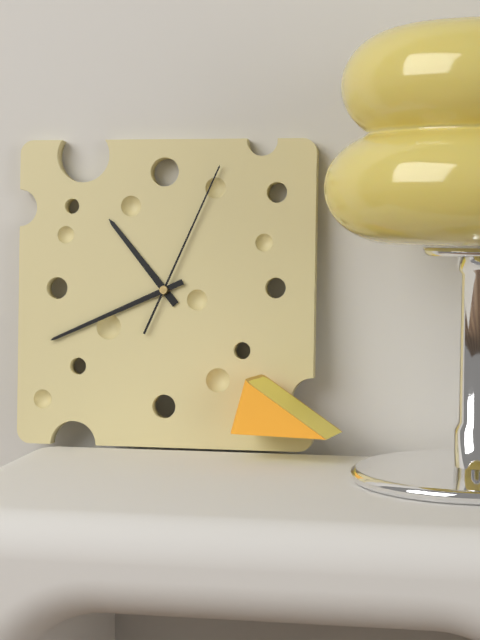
10:41:04
